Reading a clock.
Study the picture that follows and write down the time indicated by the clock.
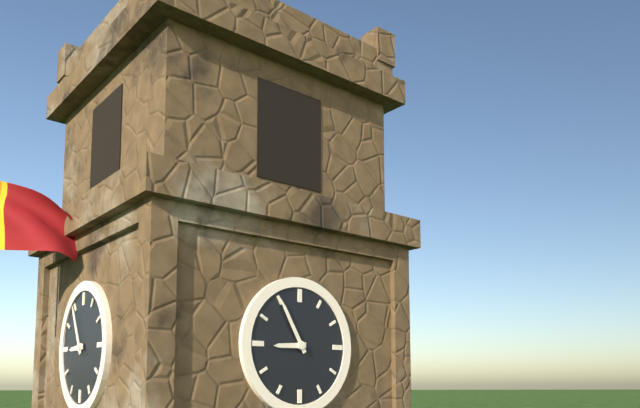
8:55
